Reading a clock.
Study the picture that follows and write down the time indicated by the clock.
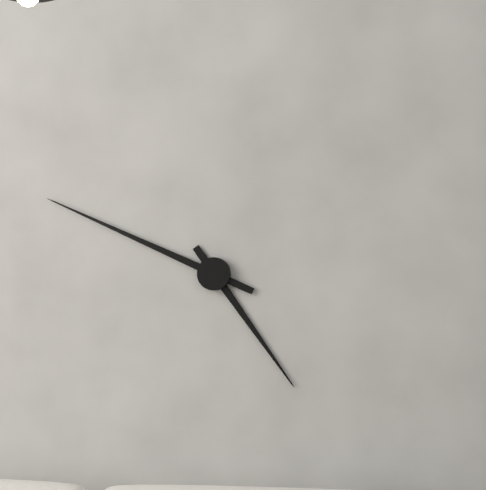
4:49
